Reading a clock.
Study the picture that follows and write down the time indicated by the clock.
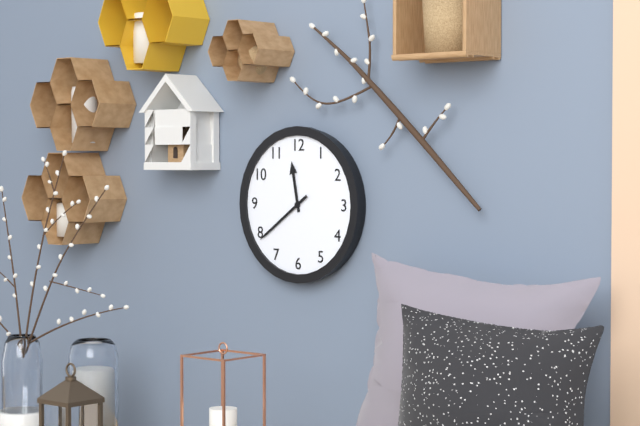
11:39
